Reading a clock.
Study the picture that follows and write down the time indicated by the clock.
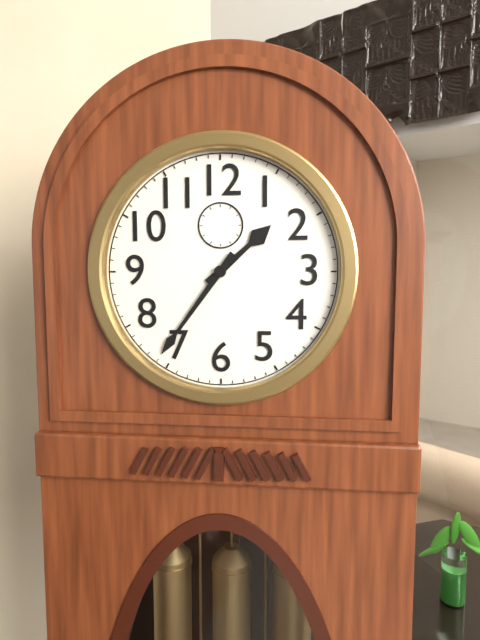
1:36
